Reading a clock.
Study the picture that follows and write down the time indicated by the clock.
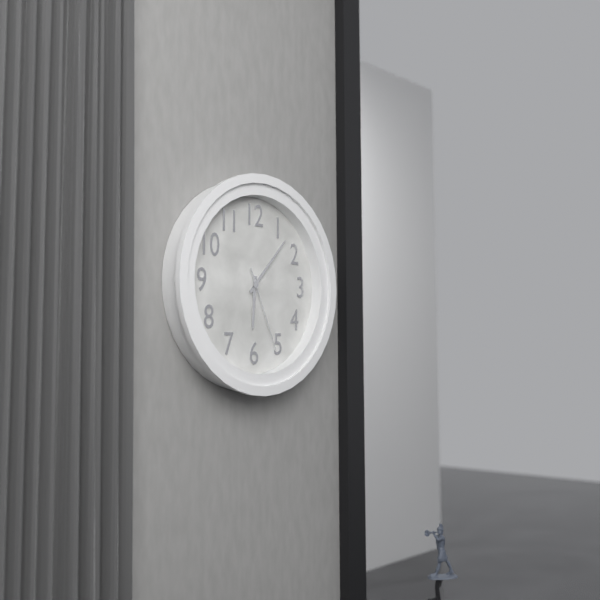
6:07:26
